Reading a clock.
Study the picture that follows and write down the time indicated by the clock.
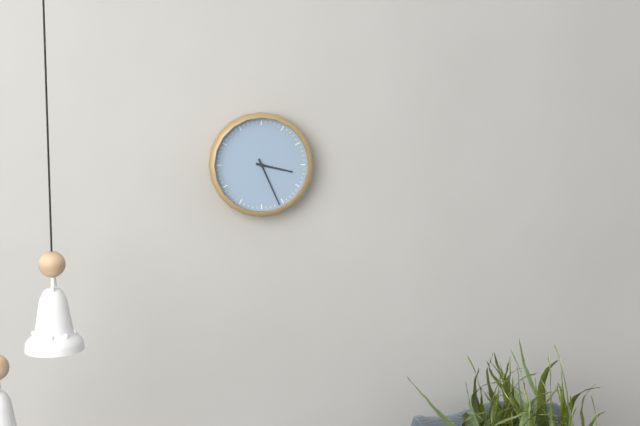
3:26
